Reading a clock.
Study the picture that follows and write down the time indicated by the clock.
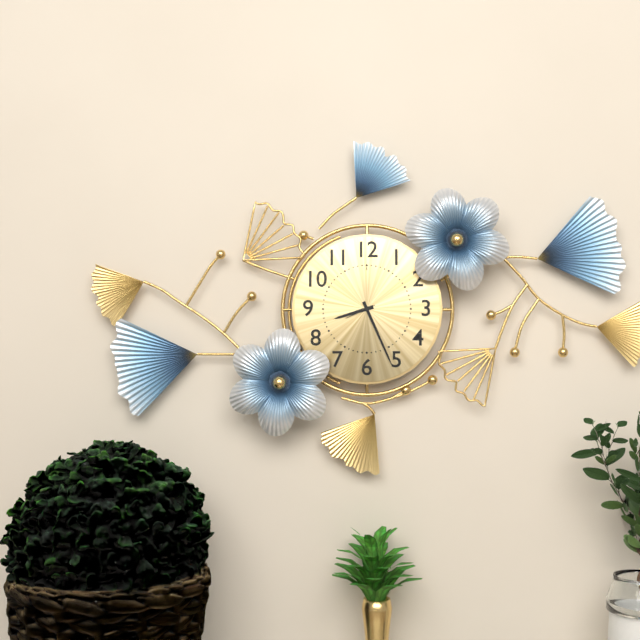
8:26
